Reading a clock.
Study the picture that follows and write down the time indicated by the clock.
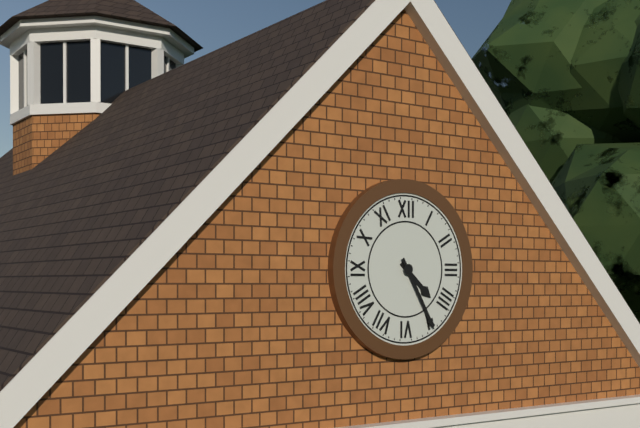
4:25
